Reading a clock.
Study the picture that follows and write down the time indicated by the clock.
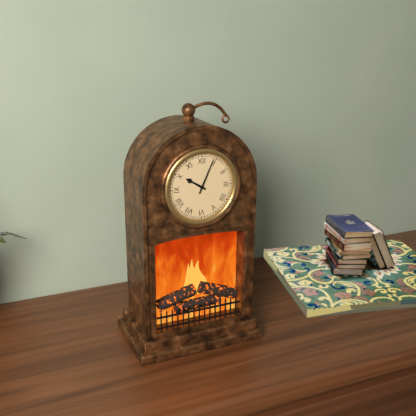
10:04
